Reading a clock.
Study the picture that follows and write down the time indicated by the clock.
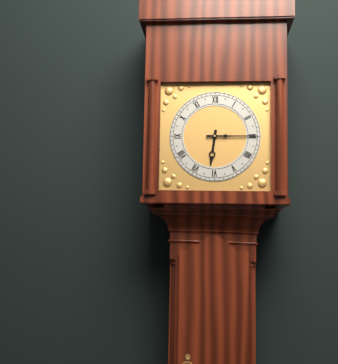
6:15
